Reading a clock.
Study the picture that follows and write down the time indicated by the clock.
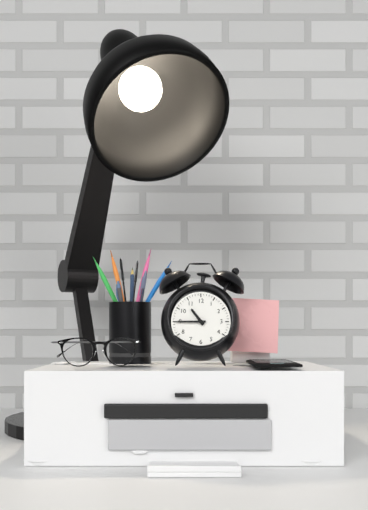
10:45
